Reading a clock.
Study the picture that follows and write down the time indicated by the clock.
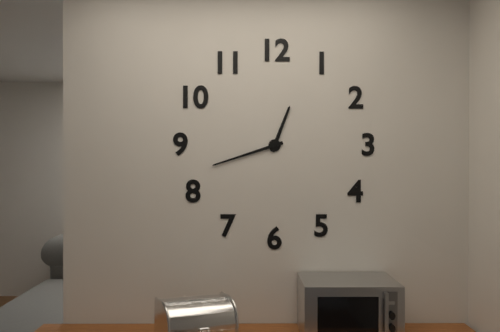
12:42
